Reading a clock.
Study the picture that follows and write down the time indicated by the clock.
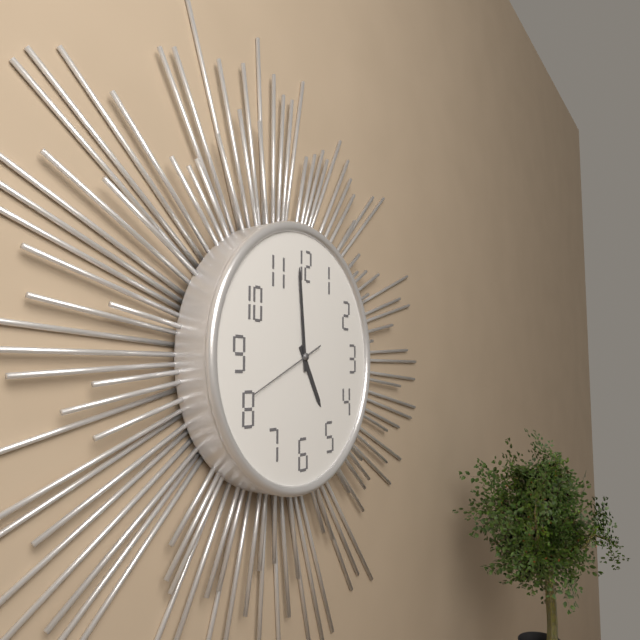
4:59:41
